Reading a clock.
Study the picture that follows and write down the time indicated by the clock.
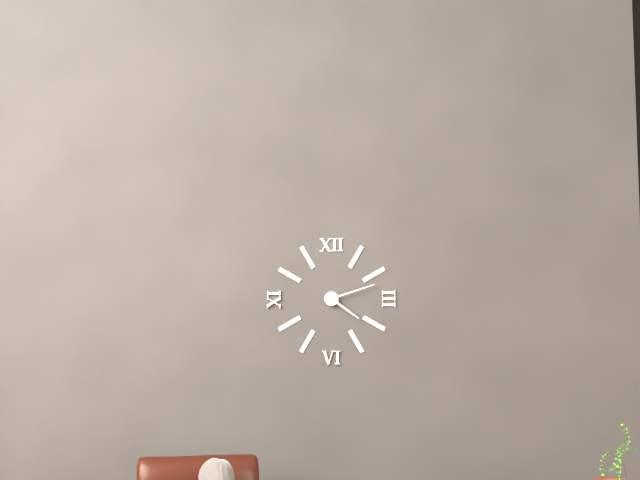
4:12
